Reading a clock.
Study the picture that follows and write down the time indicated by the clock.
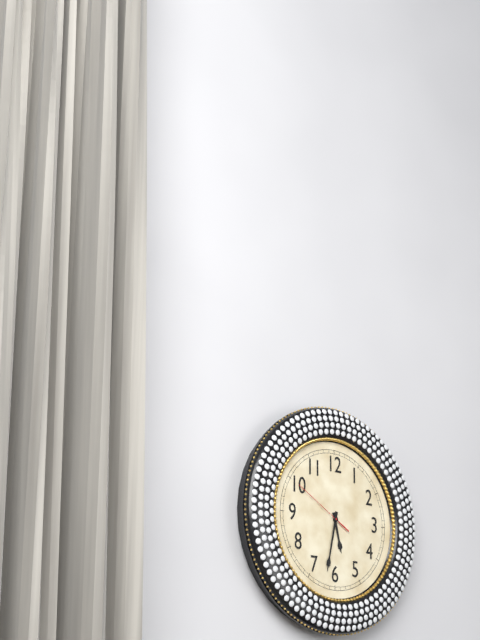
5:32:50
